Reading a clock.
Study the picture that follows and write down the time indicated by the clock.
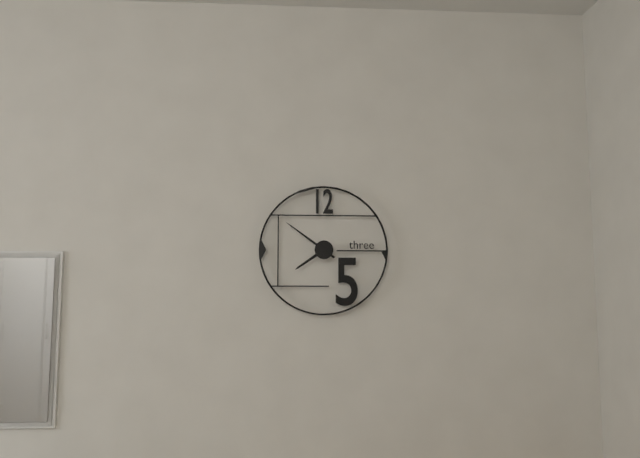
7:51
